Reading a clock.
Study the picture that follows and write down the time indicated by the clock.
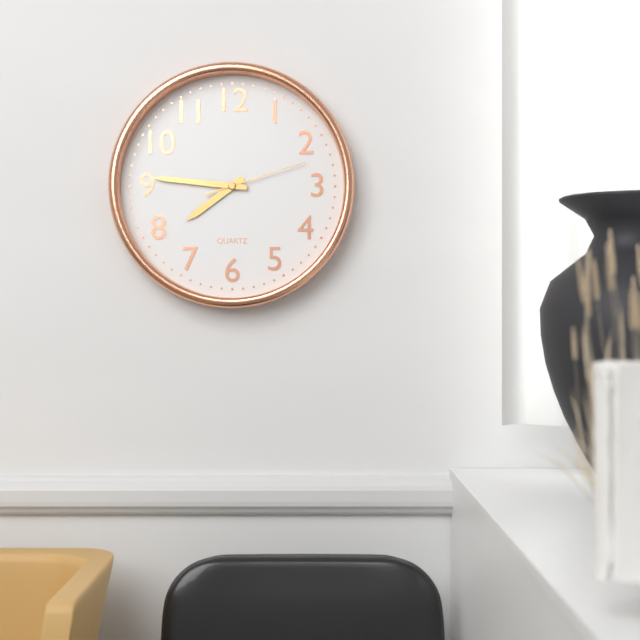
7:46:12
